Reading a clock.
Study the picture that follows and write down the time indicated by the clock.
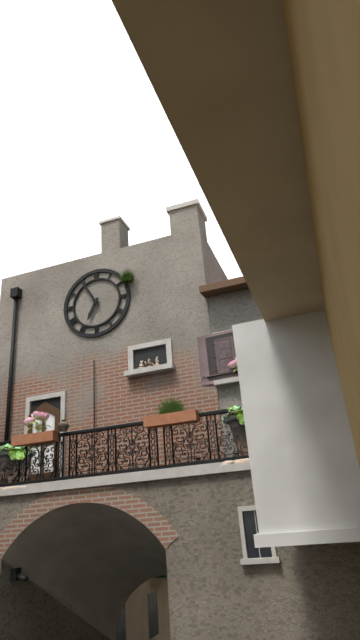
6:55
